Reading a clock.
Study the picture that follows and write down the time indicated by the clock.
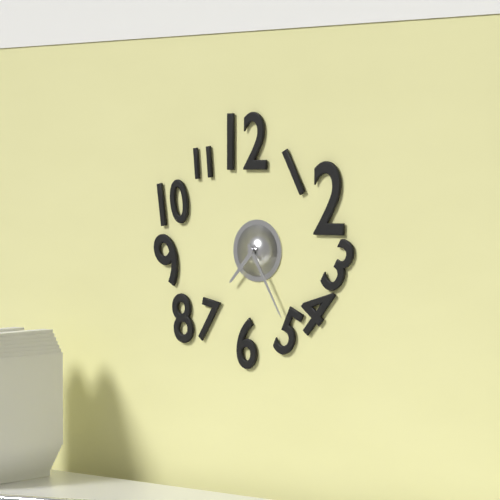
7:25
